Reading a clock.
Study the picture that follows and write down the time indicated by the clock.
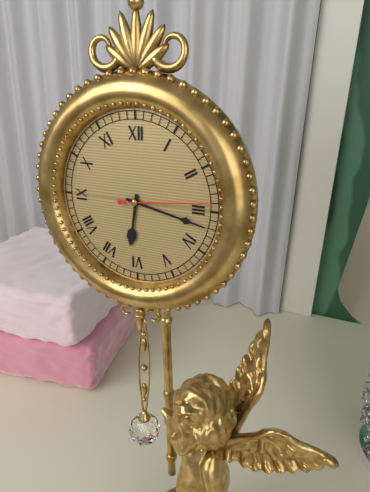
6:17:14
